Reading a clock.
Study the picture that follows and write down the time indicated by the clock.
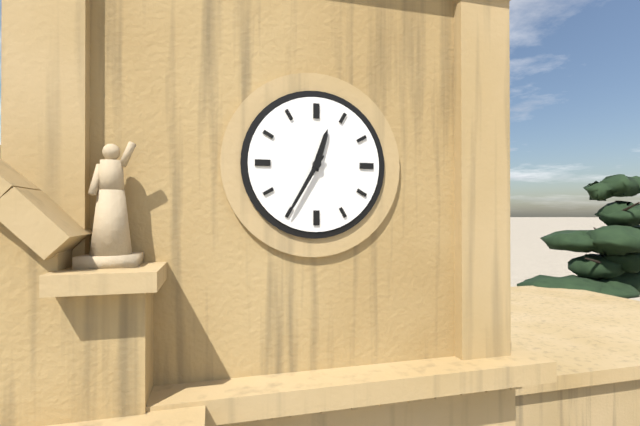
12:35
